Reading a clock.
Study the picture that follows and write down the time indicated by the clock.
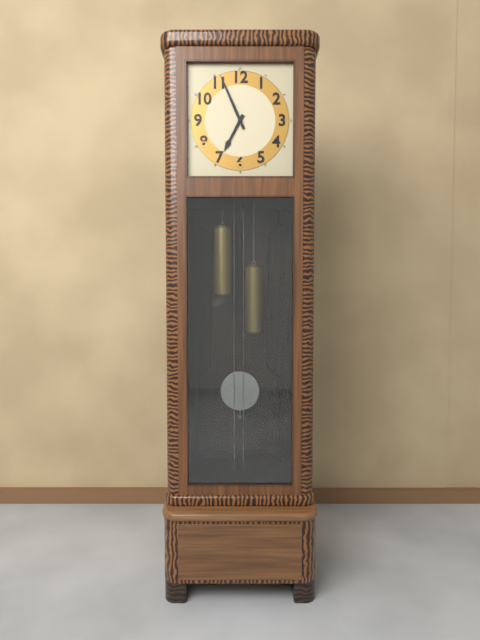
6:56
